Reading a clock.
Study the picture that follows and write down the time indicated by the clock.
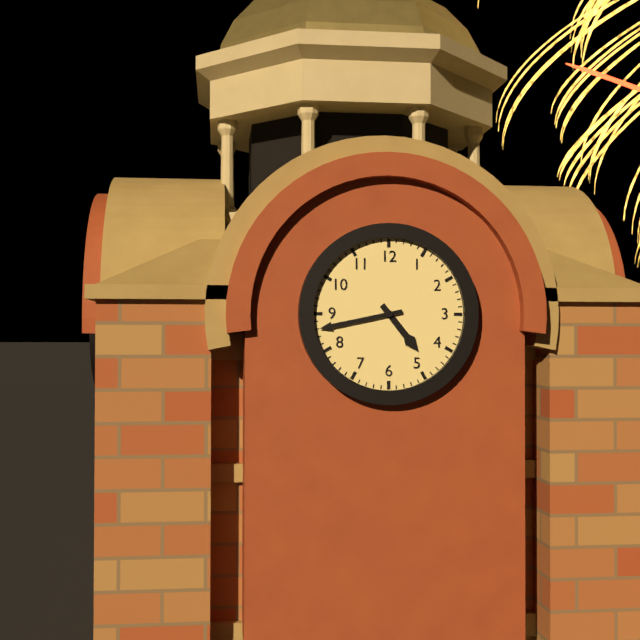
4:43
